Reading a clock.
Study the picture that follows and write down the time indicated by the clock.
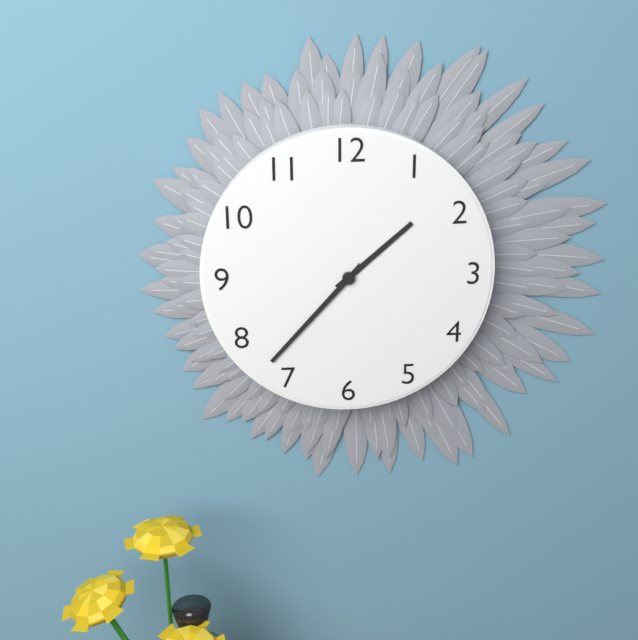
1:37
